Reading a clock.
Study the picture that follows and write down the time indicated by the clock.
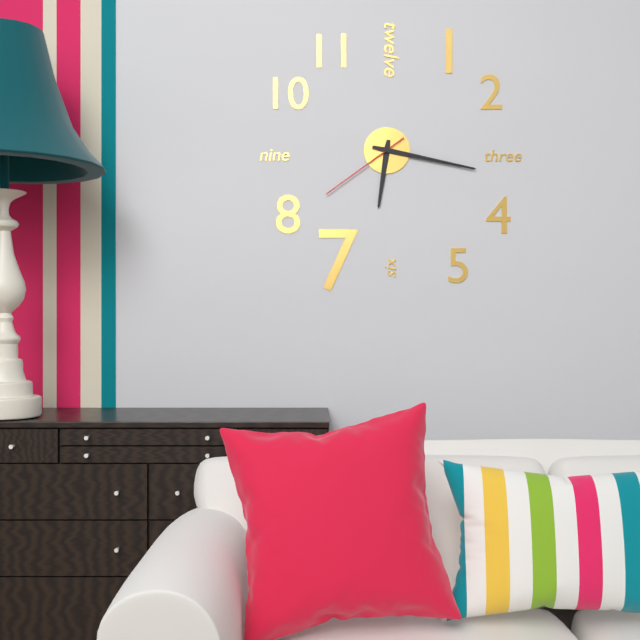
6:17:39
